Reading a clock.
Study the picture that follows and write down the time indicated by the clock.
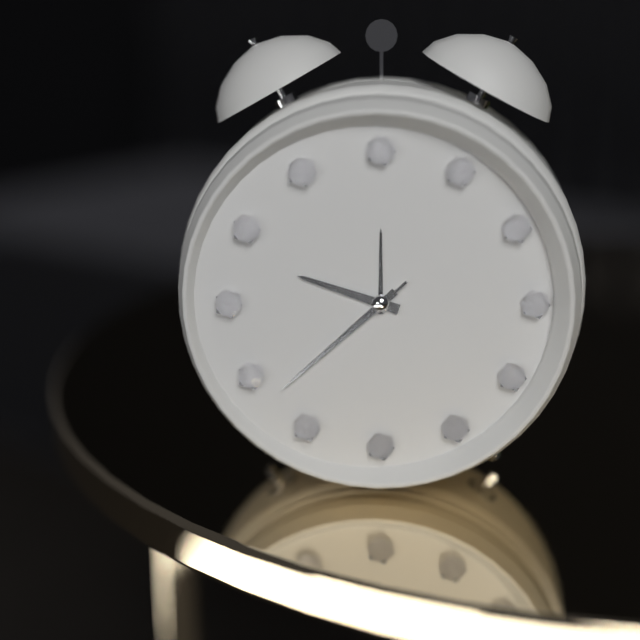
9:38:38
